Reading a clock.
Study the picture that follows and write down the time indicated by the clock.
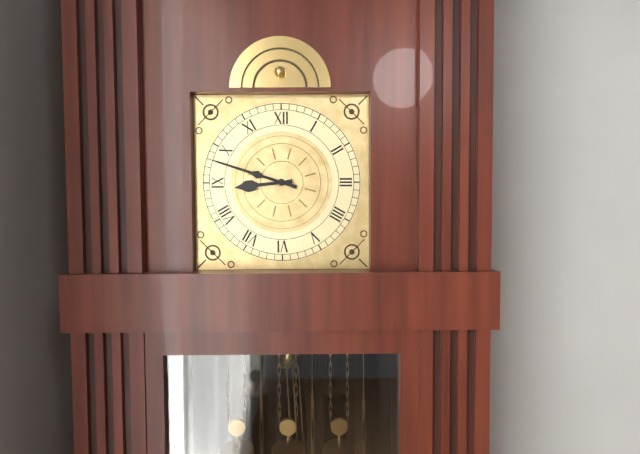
8:48
